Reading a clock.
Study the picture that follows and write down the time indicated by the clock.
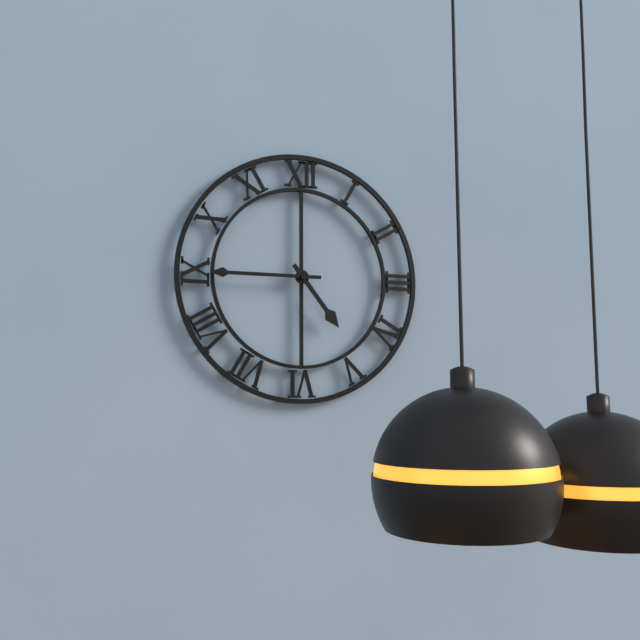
4:45
